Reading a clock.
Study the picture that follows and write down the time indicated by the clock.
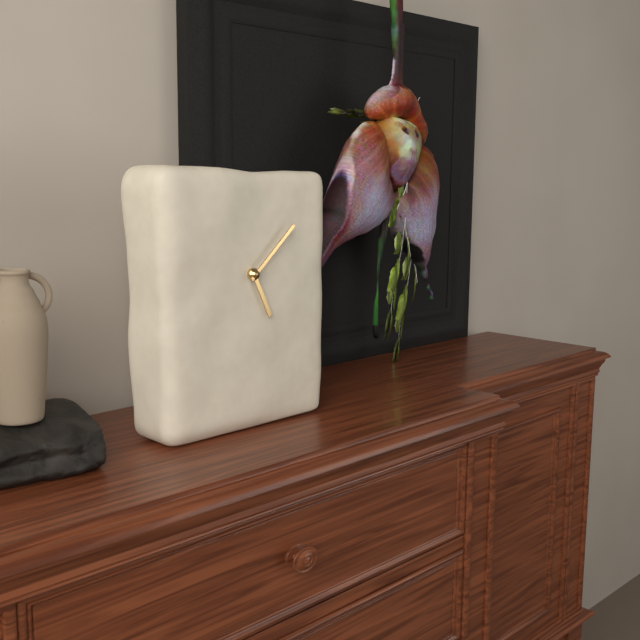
5:08
